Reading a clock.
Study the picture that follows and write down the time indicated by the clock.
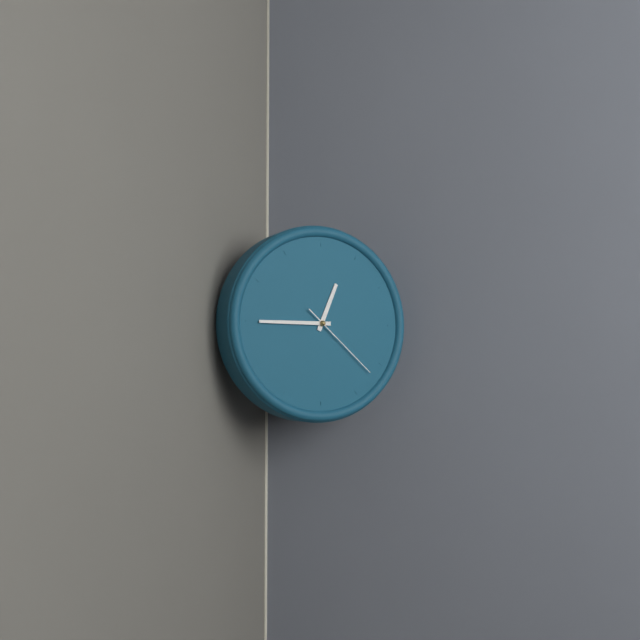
12:45:22
